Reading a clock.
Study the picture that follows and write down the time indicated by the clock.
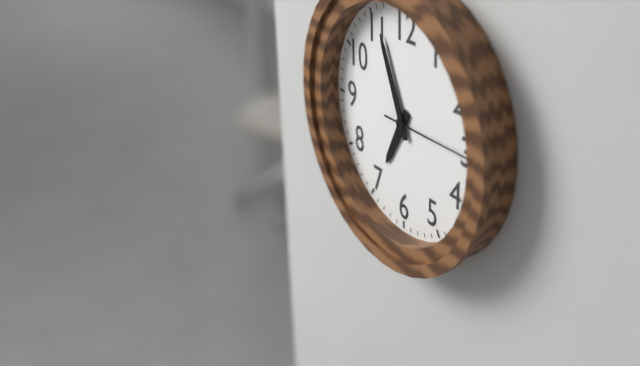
6:56:15
